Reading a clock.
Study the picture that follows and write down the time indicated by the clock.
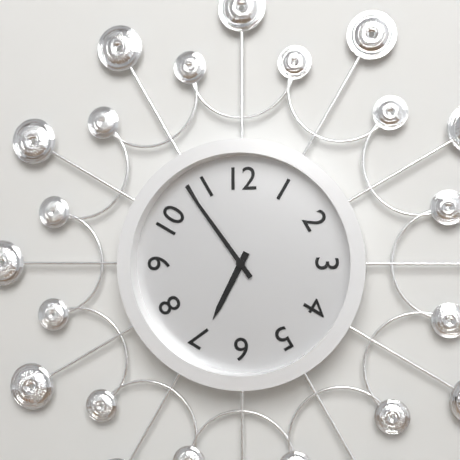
6:54
